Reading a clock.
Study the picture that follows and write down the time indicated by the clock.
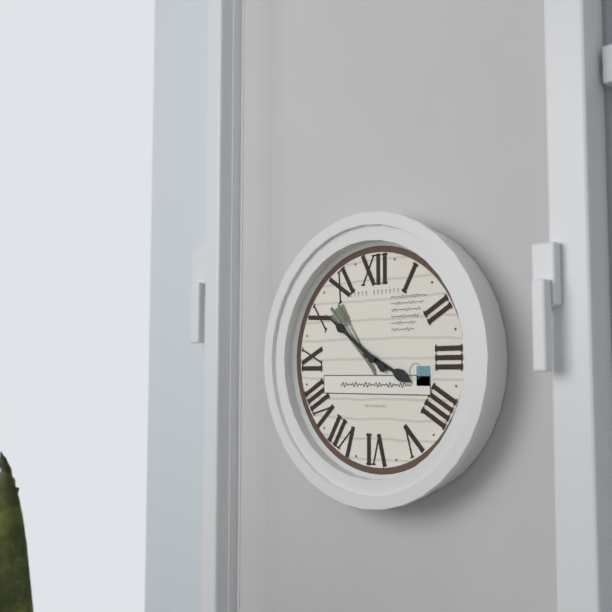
3:51
